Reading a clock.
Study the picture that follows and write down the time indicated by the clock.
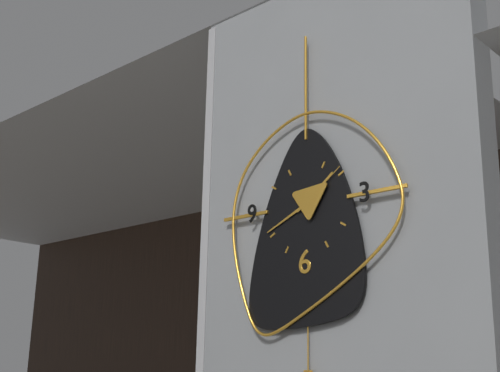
1:41:09
